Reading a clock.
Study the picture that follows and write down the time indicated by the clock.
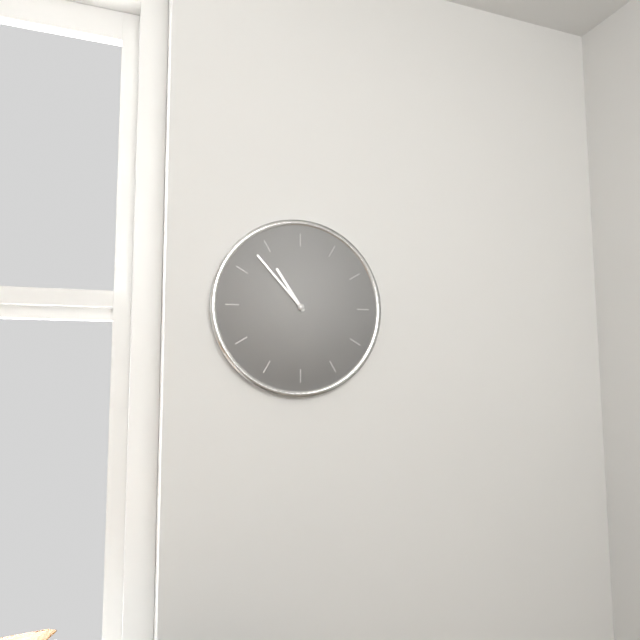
10:53
